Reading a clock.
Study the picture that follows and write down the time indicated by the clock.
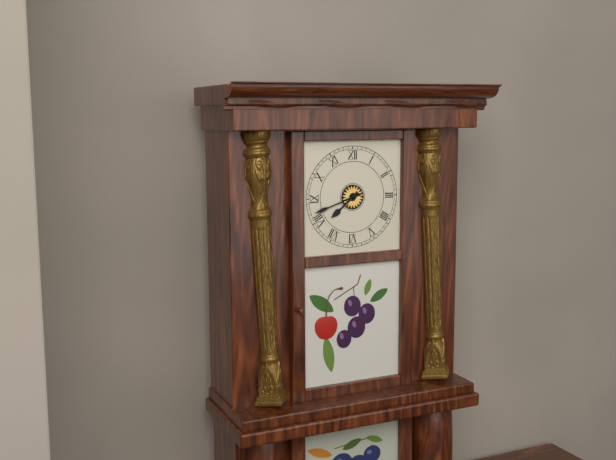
7:42
